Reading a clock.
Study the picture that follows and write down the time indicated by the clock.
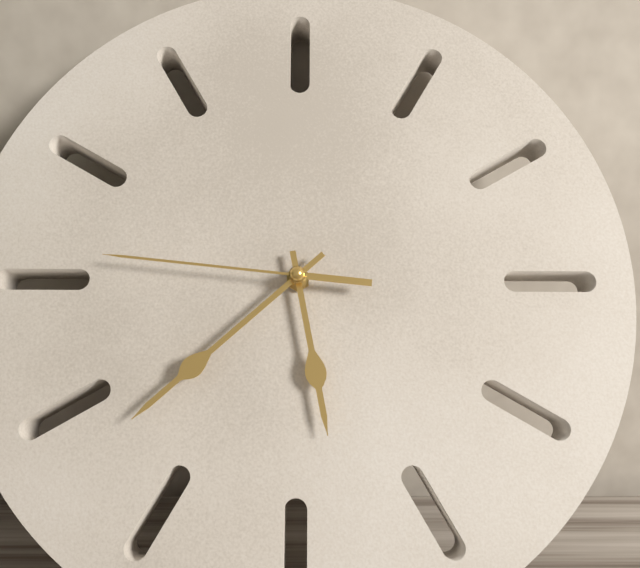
5:38:46
